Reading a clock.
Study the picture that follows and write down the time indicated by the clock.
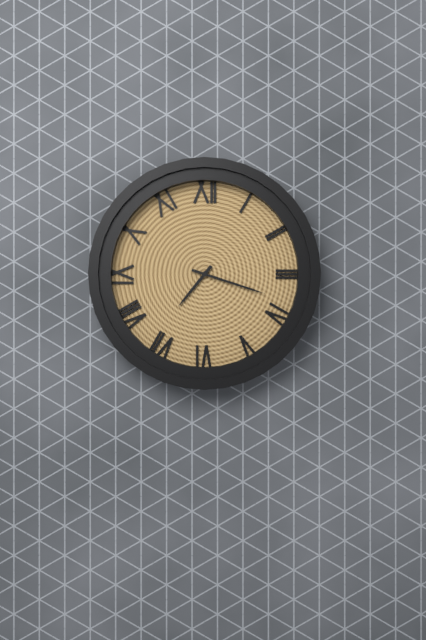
7:18
